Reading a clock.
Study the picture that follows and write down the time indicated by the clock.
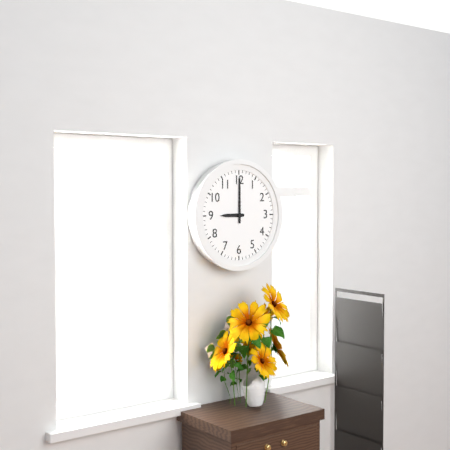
9:00
